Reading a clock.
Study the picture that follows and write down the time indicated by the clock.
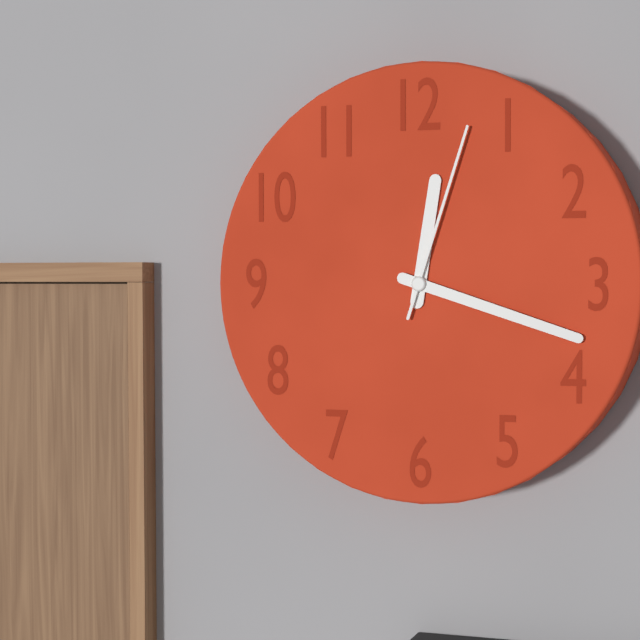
12:18:03
